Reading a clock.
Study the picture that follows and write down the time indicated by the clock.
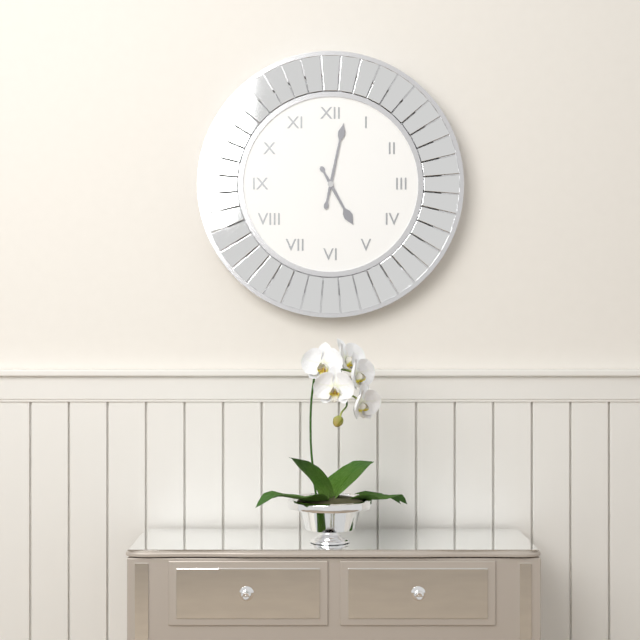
5:02
